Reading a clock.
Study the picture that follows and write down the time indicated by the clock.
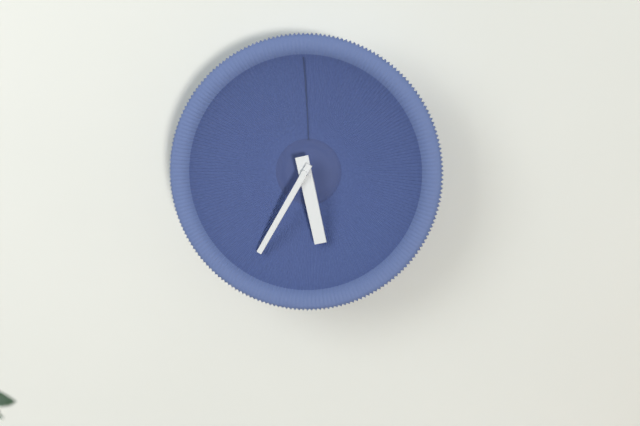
5:35
